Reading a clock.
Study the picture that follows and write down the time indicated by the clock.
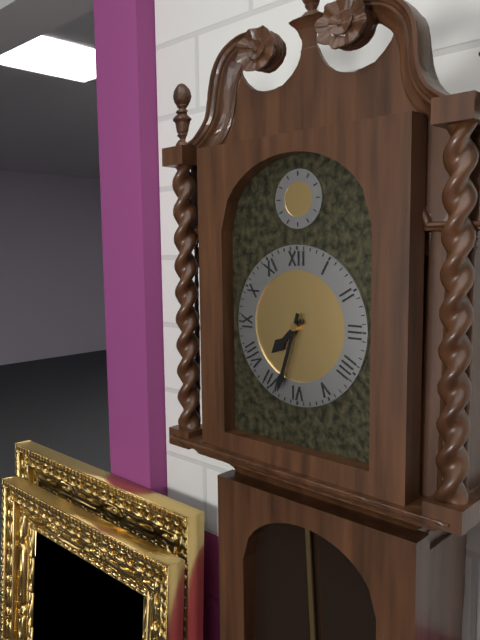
7:33
